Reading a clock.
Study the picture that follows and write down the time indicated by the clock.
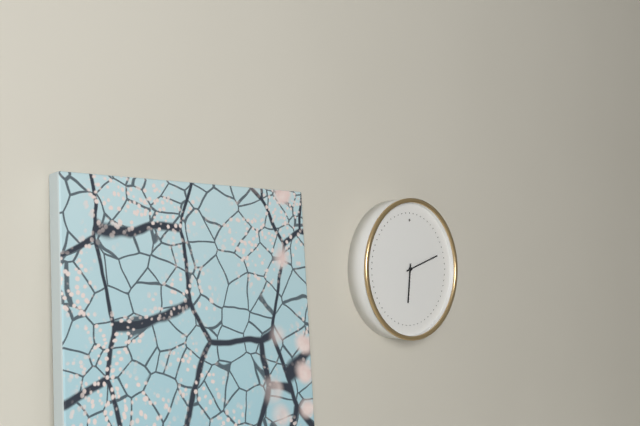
6:12
